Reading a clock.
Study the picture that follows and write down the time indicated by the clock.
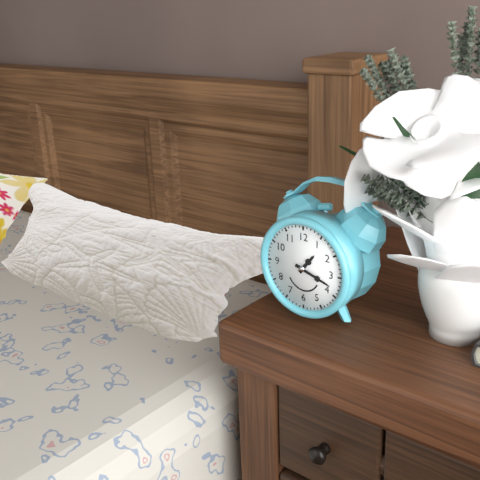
1:18
